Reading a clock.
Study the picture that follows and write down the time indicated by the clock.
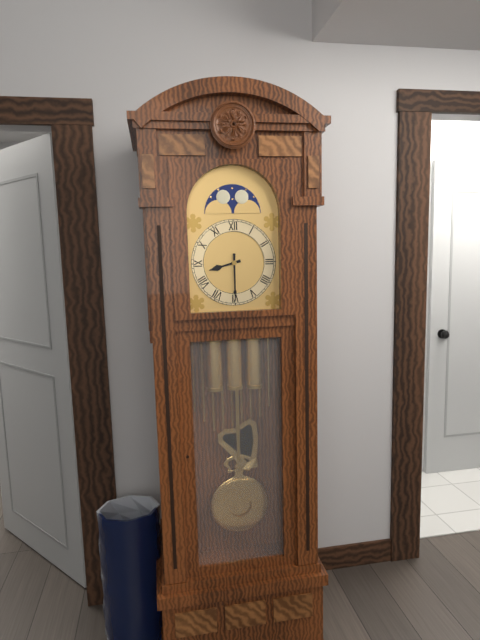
8:30
